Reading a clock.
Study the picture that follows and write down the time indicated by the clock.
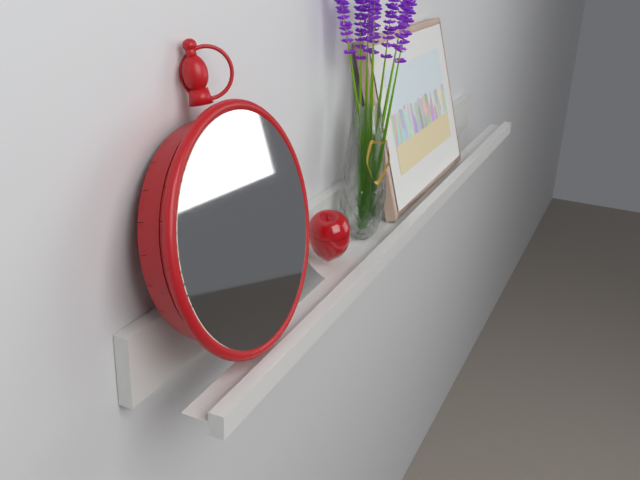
10:48
